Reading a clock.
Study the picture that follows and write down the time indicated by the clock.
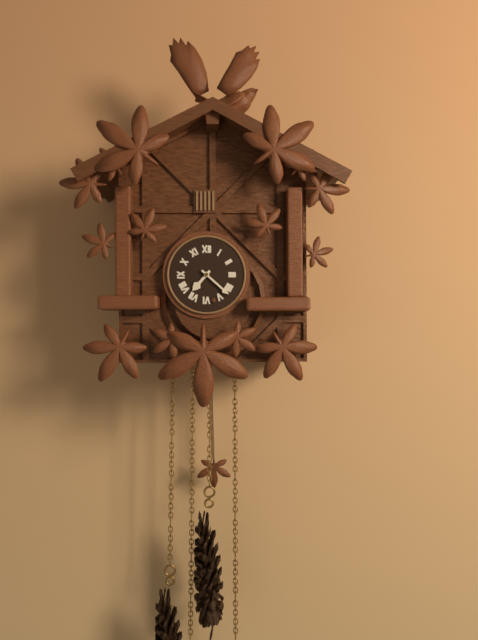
7:22
